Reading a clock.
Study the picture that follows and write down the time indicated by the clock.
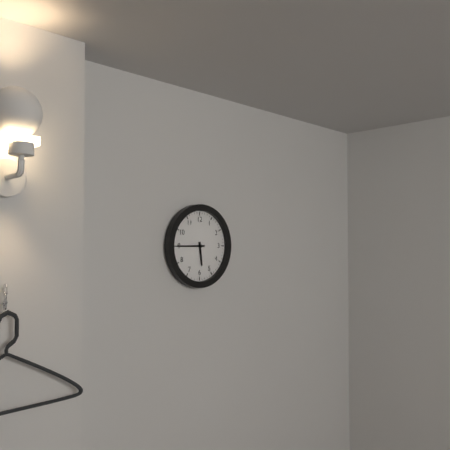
5:45
